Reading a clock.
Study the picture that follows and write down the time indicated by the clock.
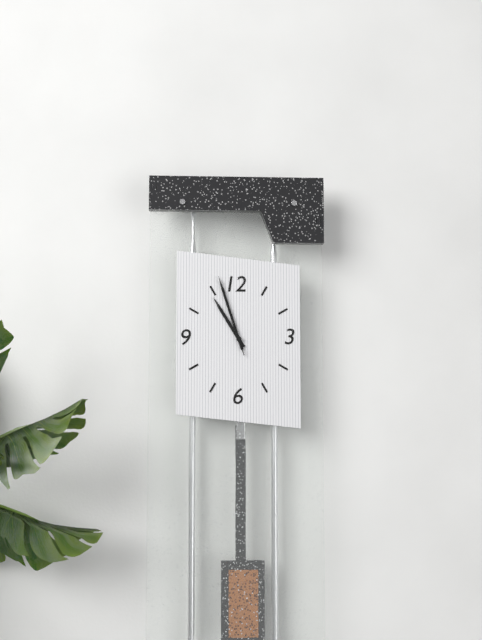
10:57:57
